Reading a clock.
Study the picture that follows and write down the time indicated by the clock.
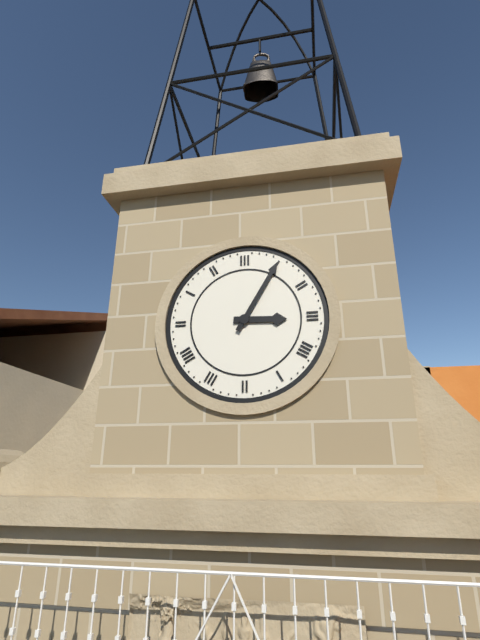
3:05
